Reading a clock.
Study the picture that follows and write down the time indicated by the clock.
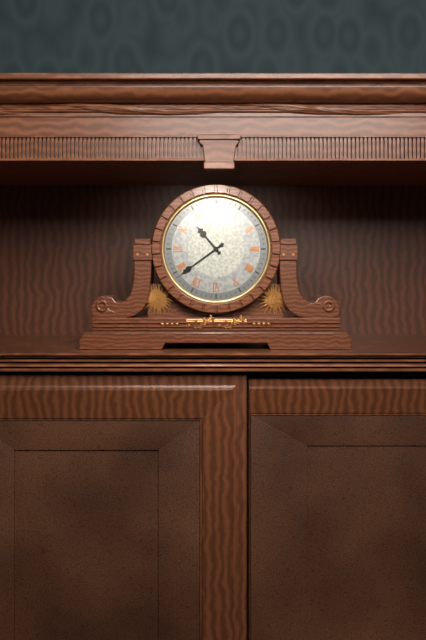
10:39
